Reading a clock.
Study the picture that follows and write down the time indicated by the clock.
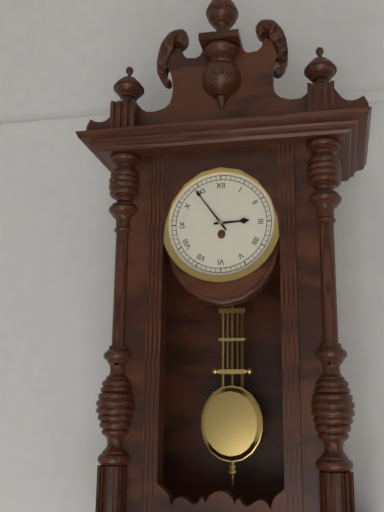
2:54
